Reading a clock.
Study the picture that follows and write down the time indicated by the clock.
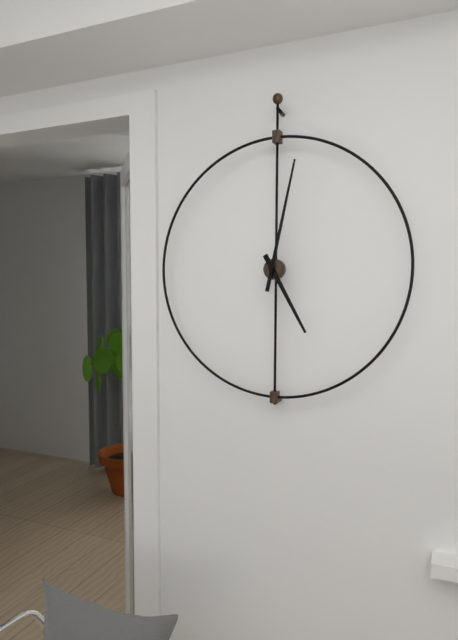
5:02
